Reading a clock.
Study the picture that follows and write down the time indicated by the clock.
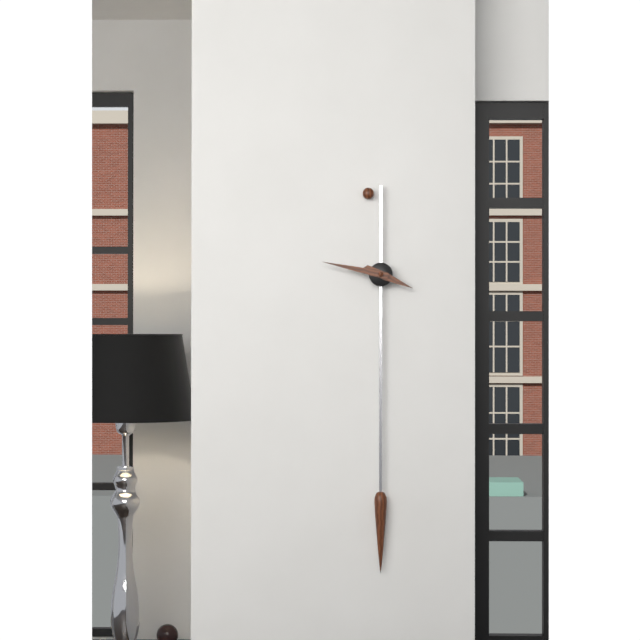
3:47
